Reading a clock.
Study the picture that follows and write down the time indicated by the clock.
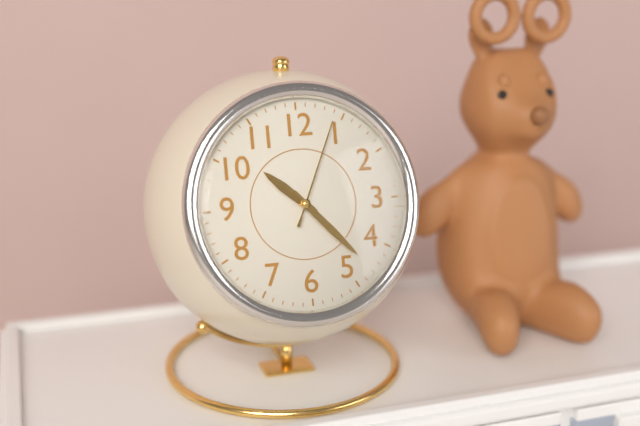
10:23:04
